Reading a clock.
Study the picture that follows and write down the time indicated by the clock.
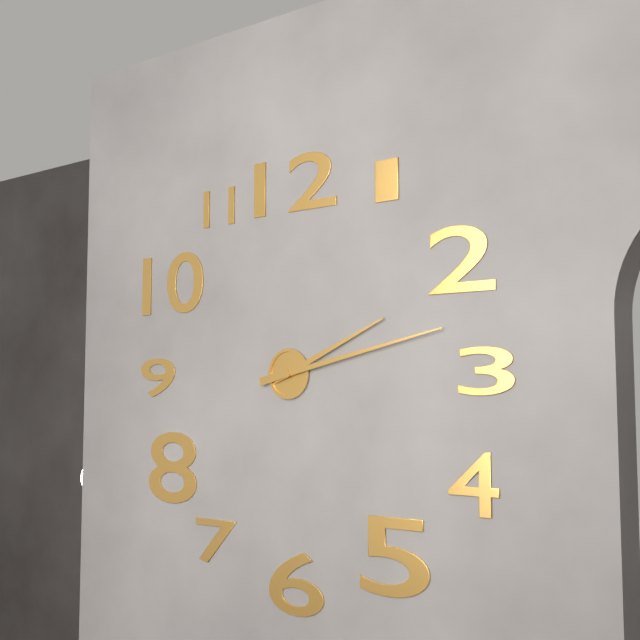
2:13
